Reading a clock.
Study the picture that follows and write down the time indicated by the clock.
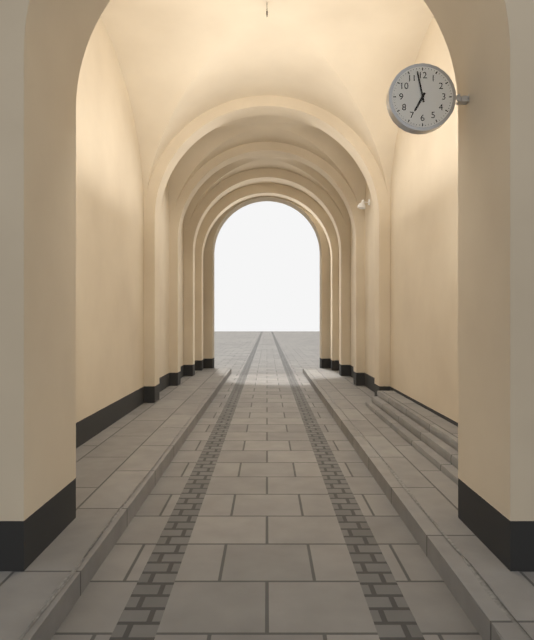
6:58
